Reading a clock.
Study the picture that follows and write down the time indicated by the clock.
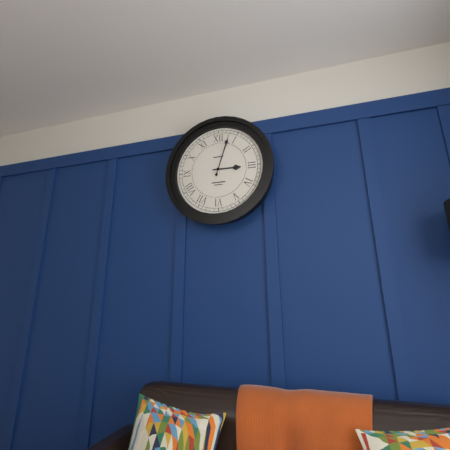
3:03
